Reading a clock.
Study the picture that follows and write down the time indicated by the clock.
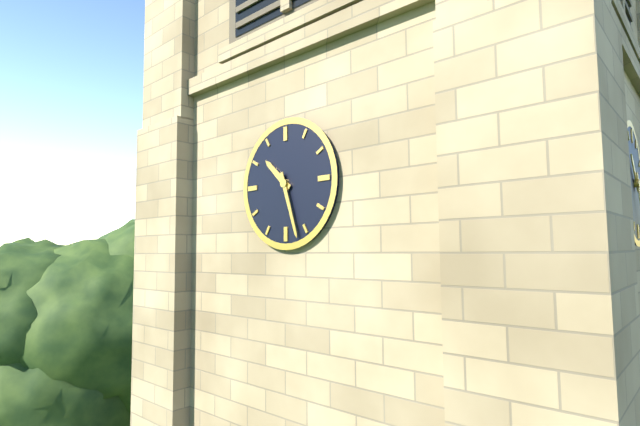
10:27
